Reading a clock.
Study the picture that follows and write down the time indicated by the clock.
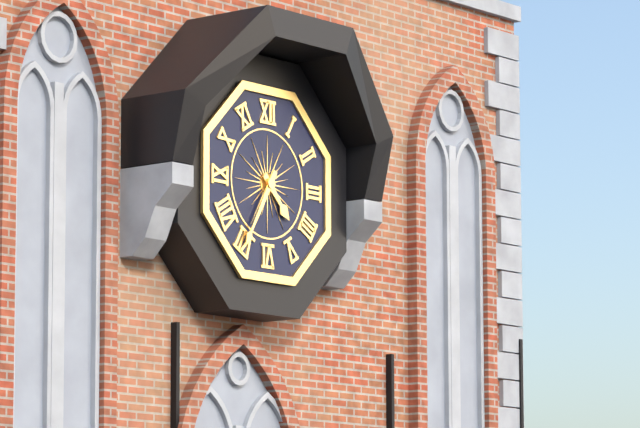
4:35
